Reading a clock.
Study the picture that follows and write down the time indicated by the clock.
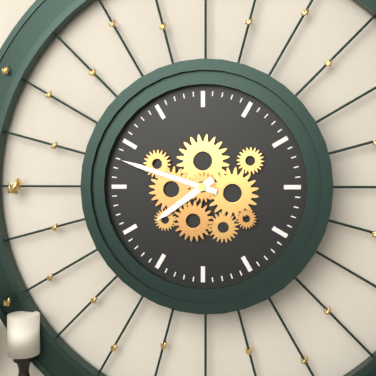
7:48
